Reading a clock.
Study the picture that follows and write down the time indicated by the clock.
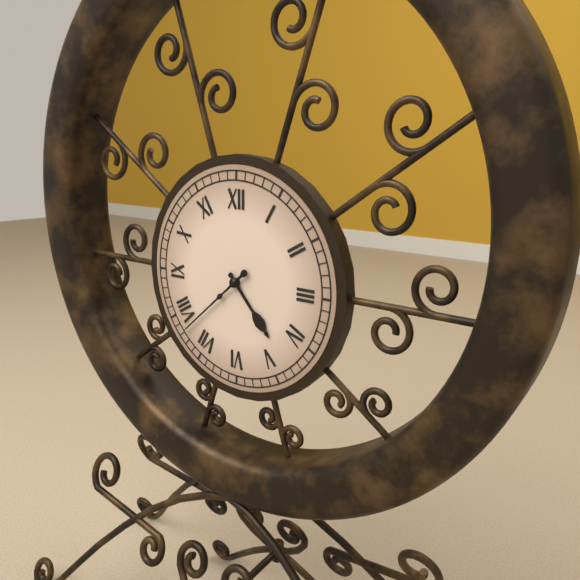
4:38
